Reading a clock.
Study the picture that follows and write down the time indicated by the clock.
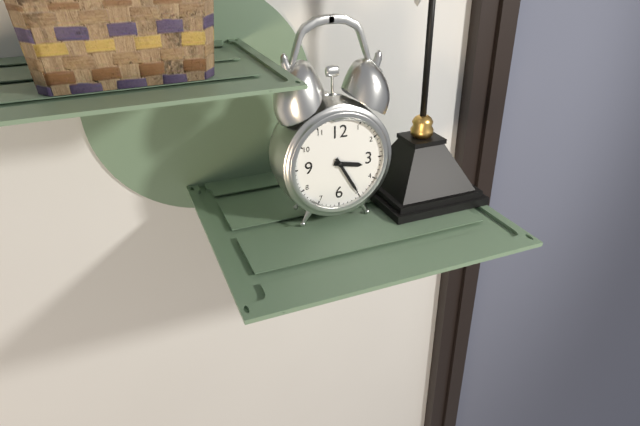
3:25
